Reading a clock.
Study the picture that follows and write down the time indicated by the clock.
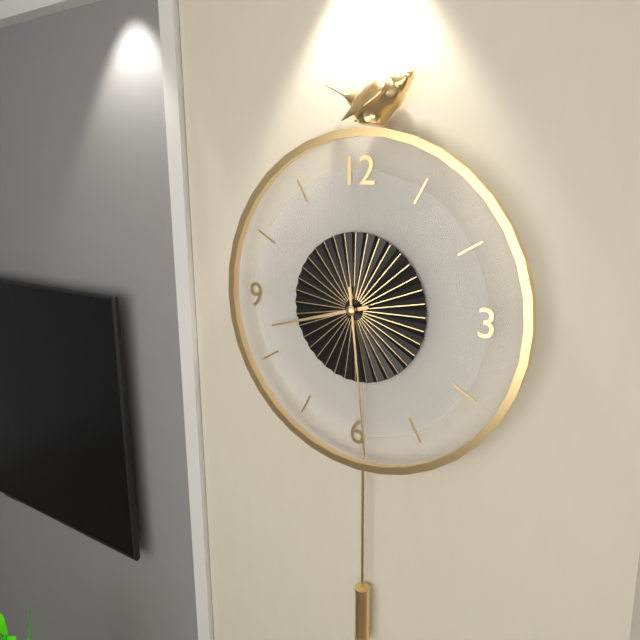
8:29
